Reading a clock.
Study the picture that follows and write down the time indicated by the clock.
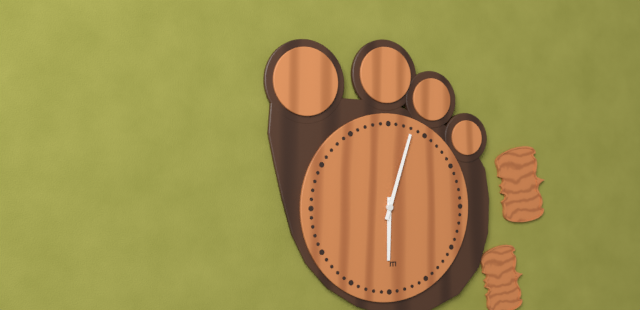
6:03
